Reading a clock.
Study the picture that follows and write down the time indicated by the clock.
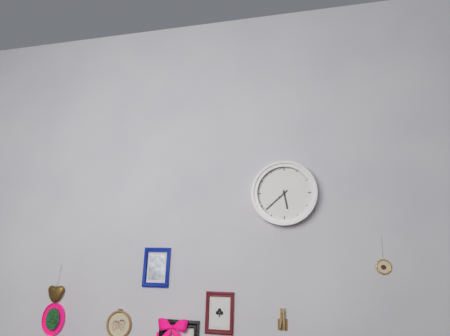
5:38
